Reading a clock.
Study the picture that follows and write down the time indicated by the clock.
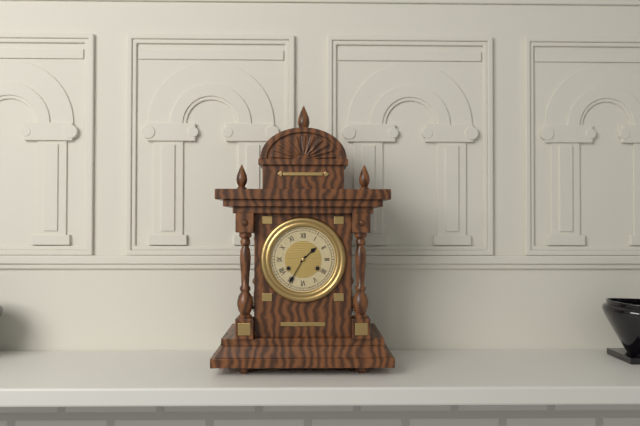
1:35
